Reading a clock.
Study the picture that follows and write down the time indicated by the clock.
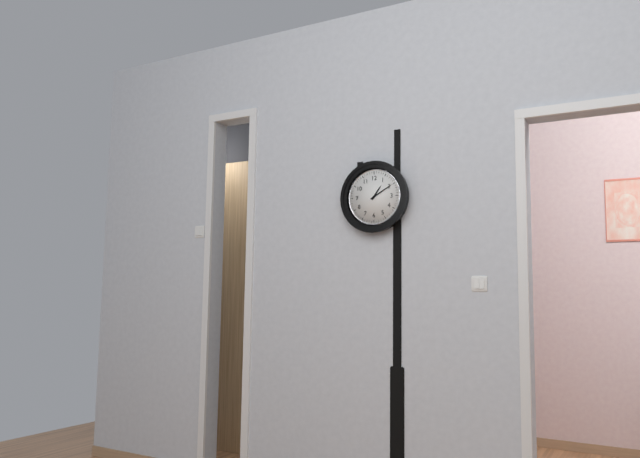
1:10
